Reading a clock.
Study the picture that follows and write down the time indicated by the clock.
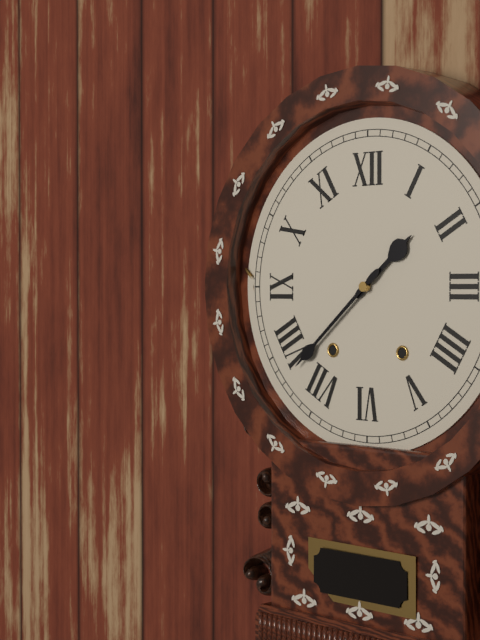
1:38
